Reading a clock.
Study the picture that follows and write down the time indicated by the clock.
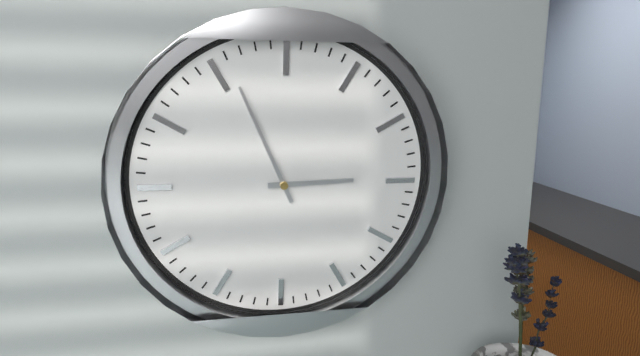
2:56
